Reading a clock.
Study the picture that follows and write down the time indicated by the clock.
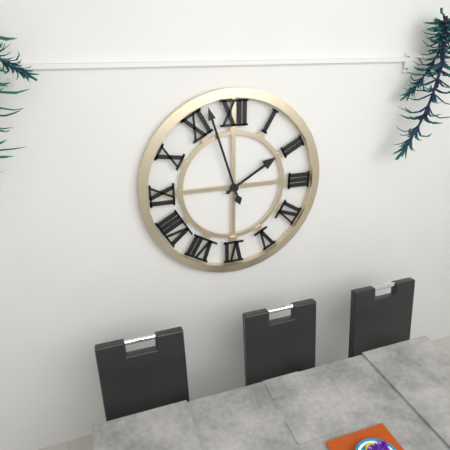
1:57
